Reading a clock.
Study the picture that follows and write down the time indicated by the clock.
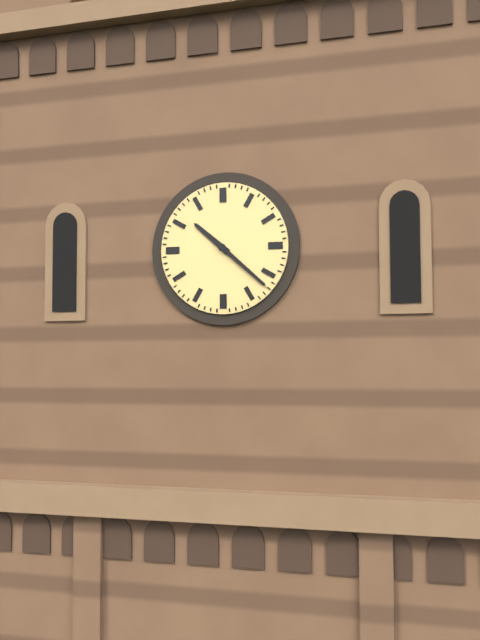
10:22
